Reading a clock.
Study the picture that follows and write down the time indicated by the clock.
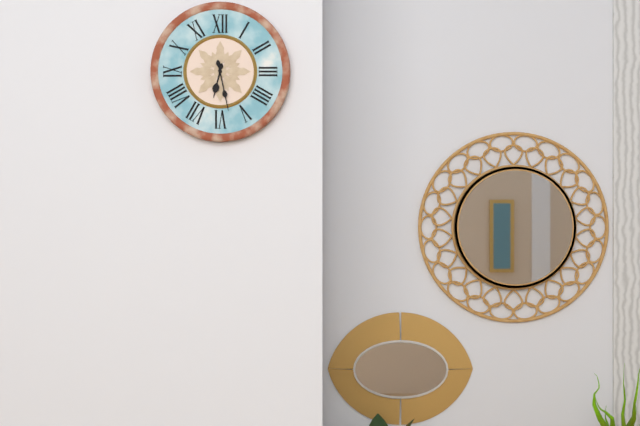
6:28
